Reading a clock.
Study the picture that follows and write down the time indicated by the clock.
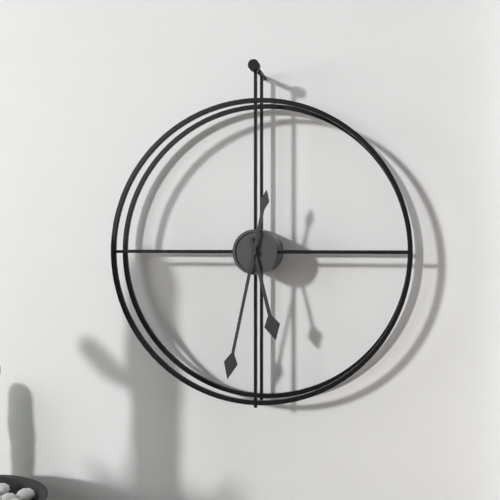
5:32
